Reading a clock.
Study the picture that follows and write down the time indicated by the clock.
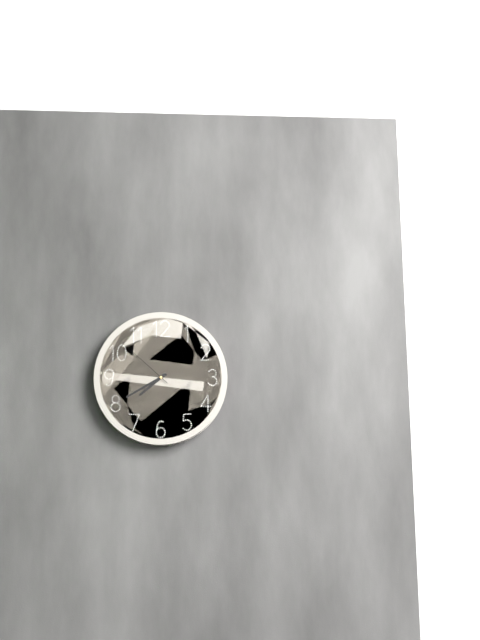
7:40:52
